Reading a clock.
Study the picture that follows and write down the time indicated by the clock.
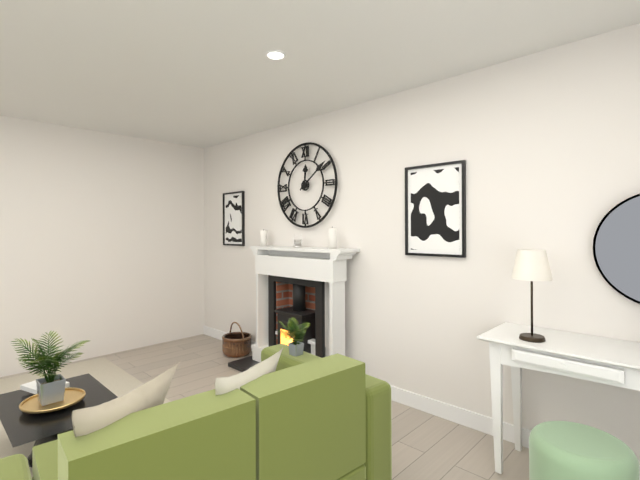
12:09
